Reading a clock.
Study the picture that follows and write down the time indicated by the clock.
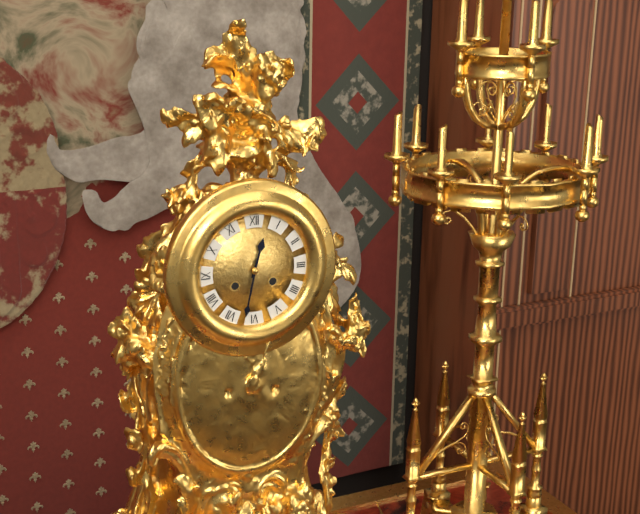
12:32
